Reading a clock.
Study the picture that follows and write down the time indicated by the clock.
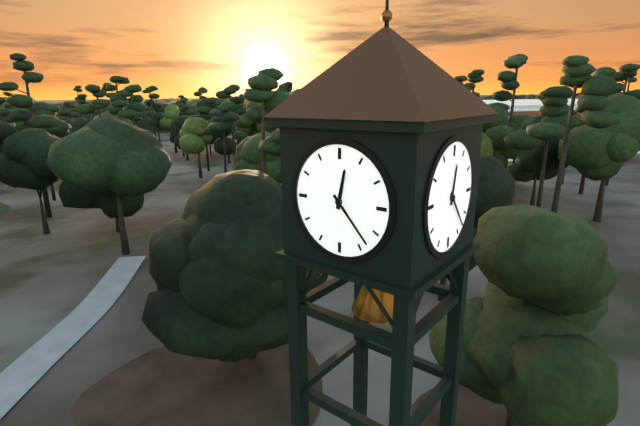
12:23
